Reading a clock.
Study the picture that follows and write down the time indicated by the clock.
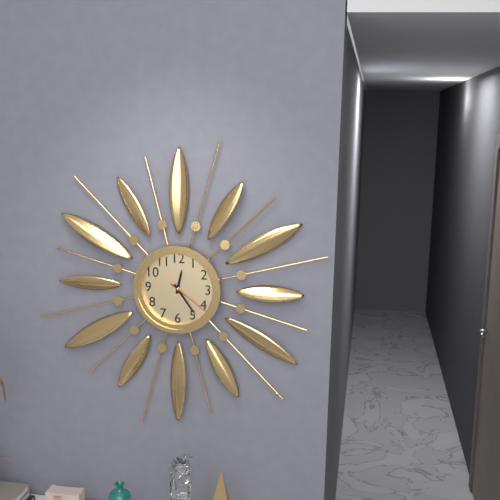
12:24
